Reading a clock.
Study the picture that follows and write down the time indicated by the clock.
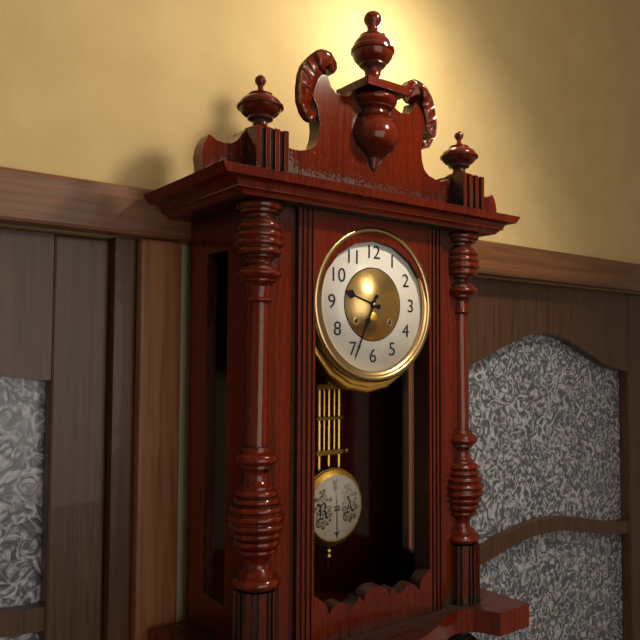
9:34
